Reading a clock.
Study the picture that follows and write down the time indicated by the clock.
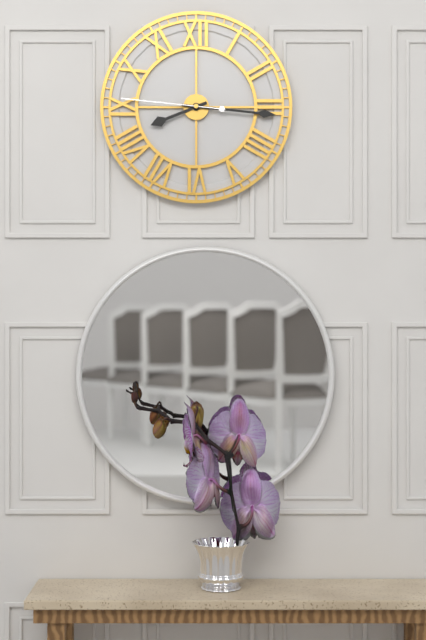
8:16:46
